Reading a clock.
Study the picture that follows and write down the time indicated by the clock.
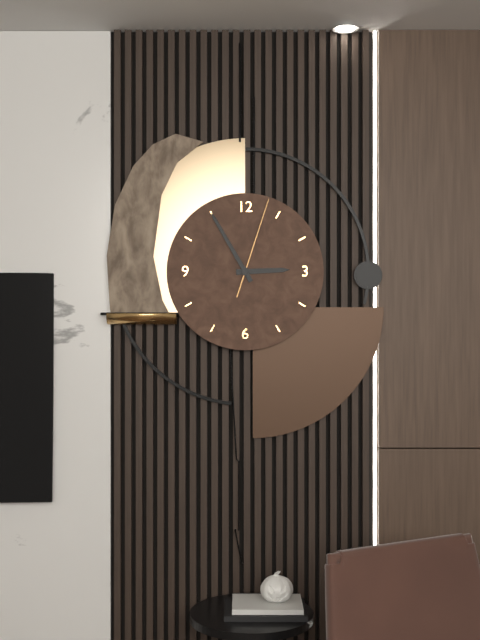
2:55:03
